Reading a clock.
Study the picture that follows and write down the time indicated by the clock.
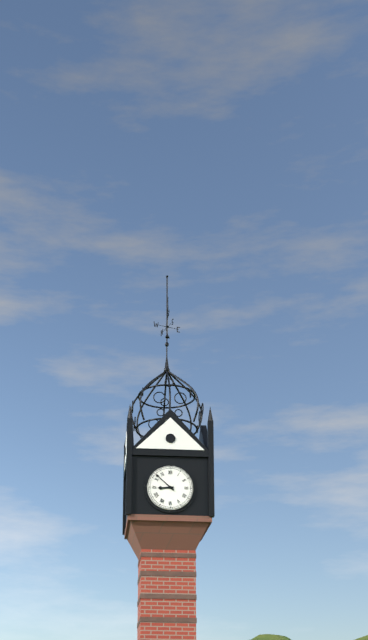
8:52
